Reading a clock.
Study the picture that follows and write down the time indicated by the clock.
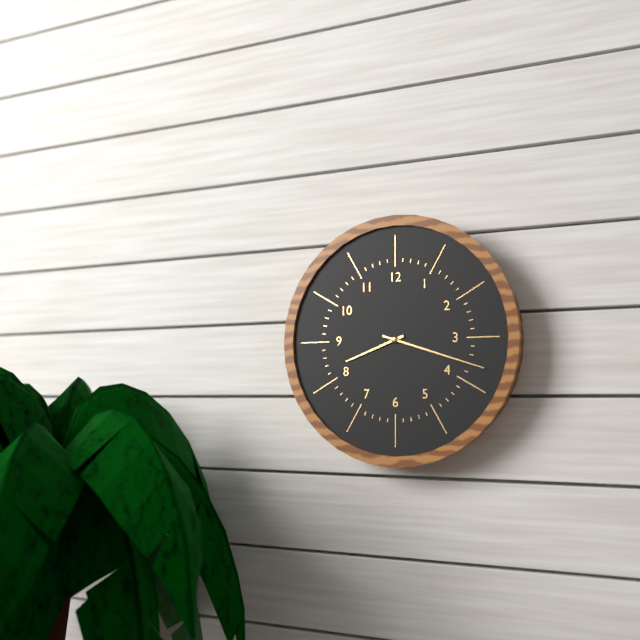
8:18
